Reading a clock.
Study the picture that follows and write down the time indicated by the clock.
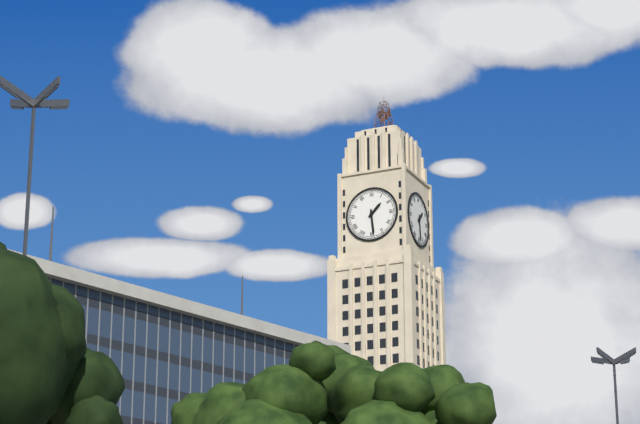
1:29
